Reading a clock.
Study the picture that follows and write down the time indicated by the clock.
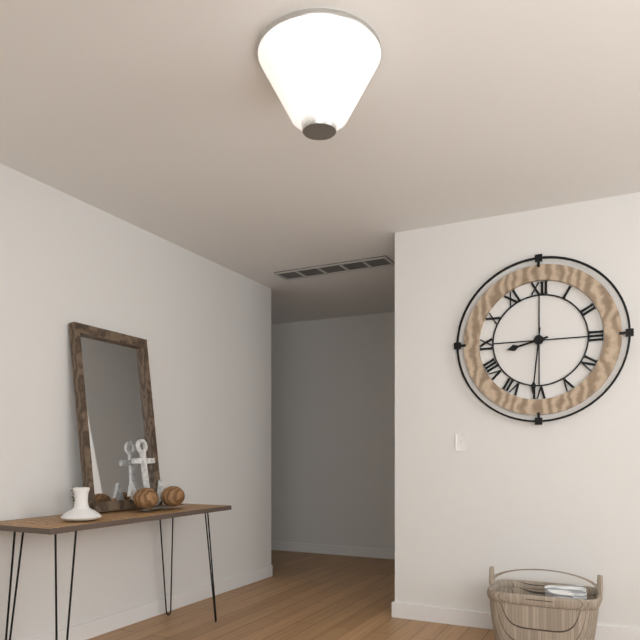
8:31
